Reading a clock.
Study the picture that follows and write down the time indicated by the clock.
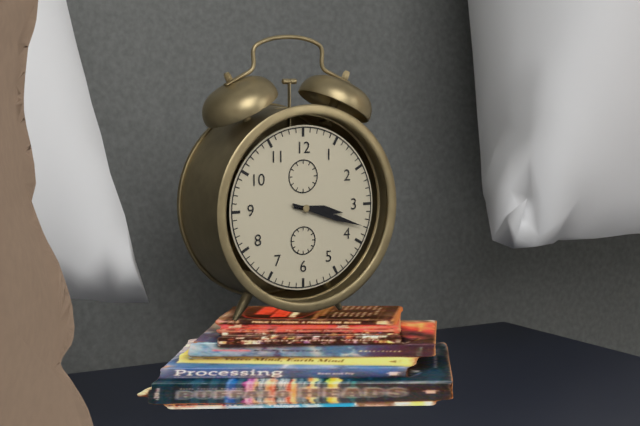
3:18
